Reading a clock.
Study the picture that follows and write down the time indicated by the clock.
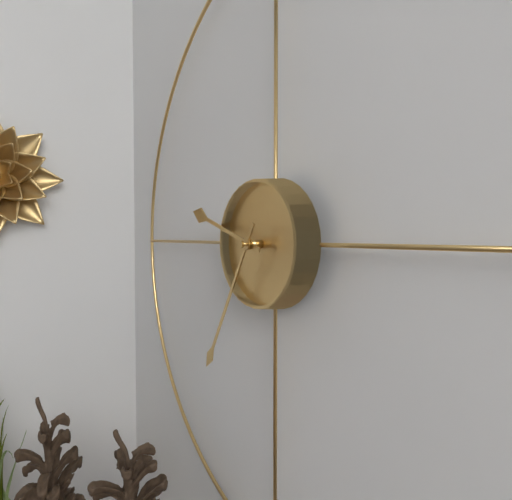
9:35
